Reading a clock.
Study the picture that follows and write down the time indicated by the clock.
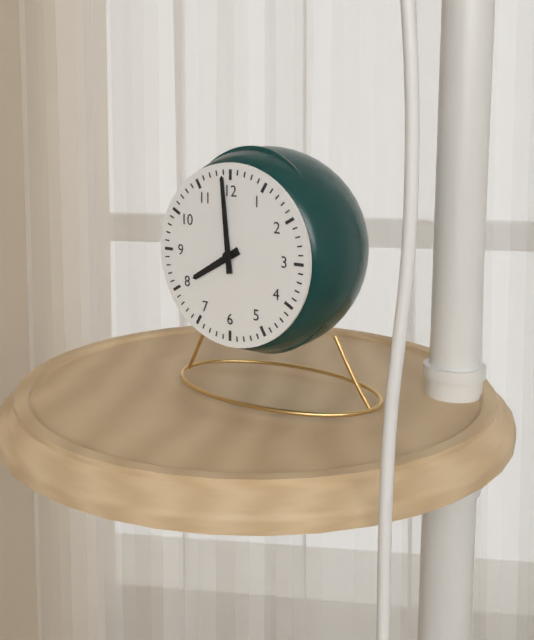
7:59
